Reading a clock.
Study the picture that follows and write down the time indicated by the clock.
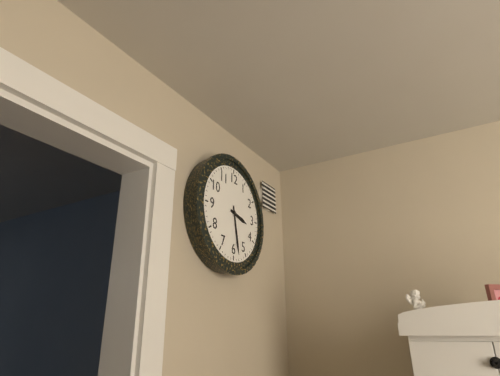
3:28
